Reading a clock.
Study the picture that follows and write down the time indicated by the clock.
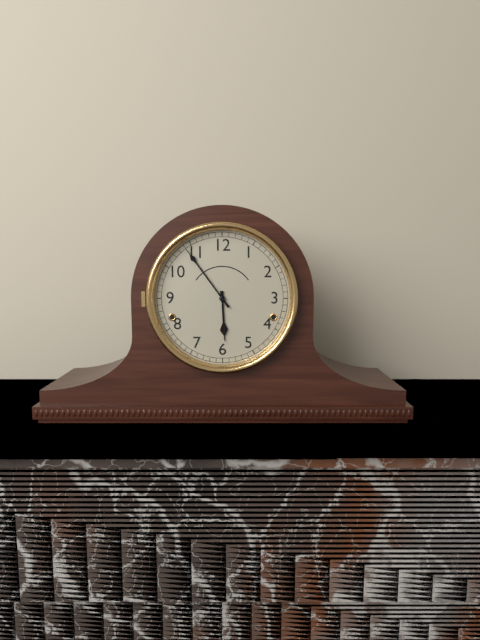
5:54
